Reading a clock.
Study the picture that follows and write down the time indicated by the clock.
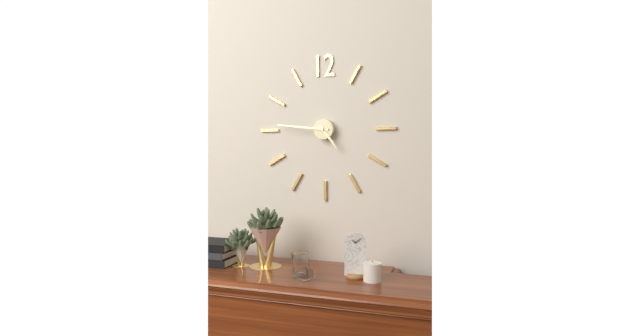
4:46
